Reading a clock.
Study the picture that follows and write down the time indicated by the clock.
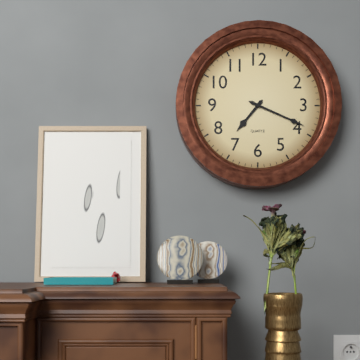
7:19
